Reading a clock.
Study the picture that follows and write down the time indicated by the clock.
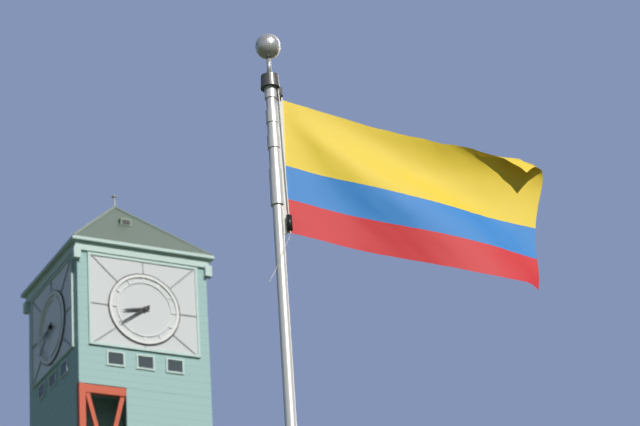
8:39
